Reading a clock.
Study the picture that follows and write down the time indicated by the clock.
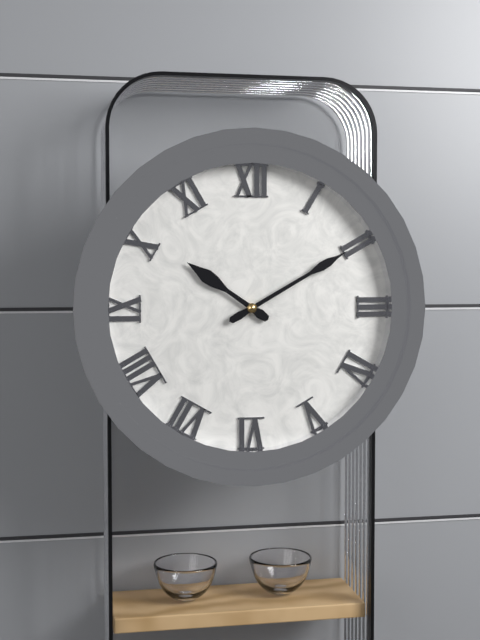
10:10
